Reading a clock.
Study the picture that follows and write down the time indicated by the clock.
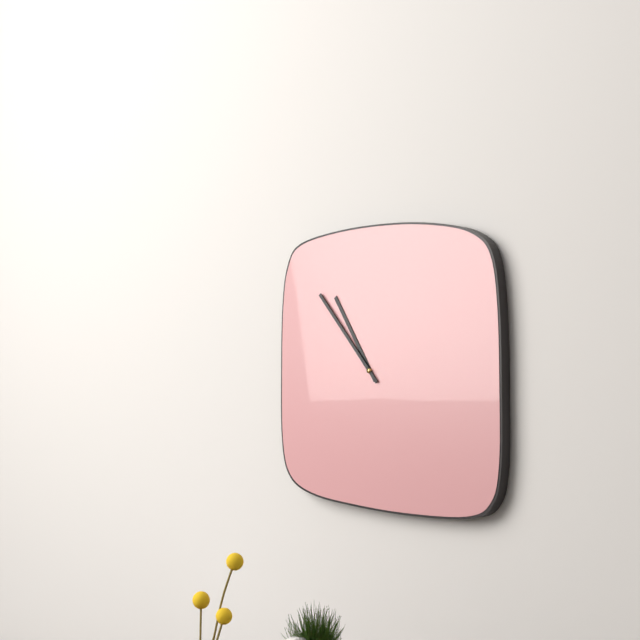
10:53
